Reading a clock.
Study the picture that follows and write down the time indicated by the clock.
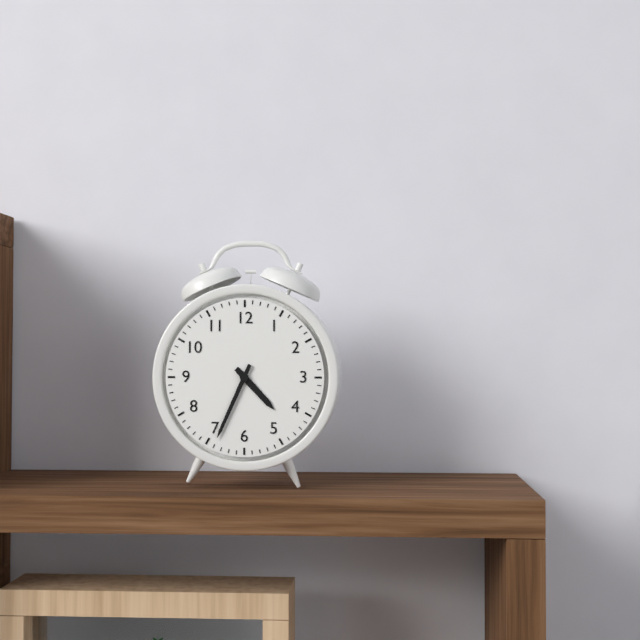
4:34
